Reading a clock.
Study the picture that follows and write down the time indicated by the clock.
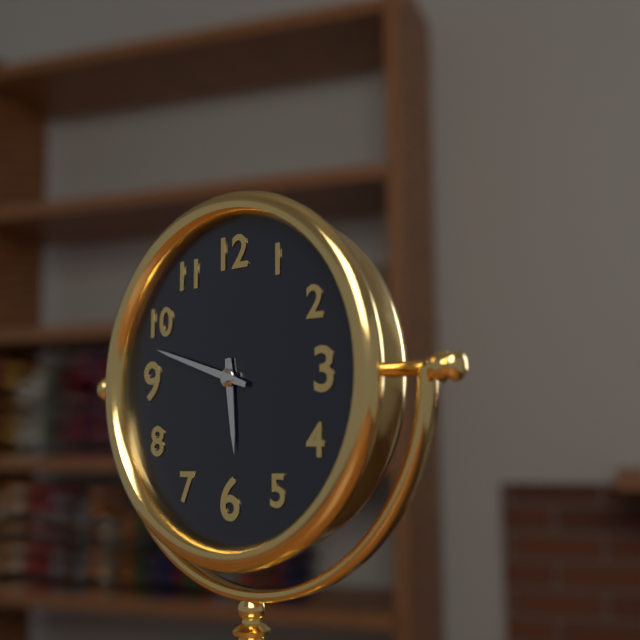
5:48
